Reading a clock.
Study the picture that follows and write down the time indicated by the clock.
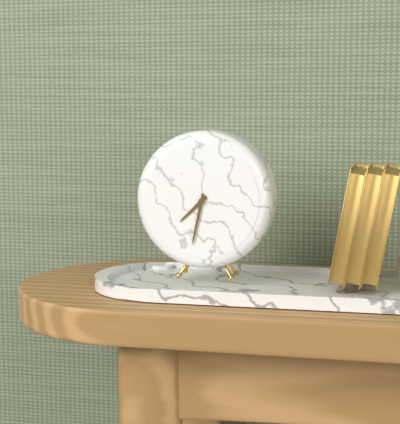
7:32
